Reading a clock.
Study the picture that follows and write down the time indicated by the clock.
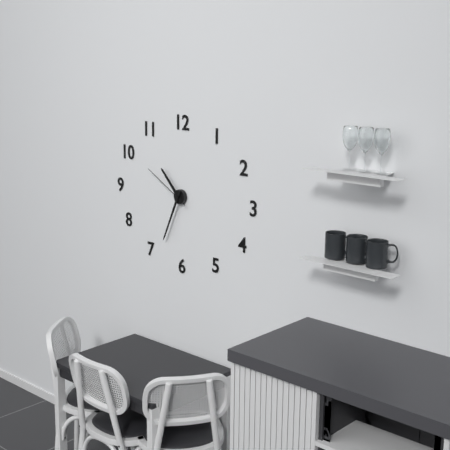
10:34:50
